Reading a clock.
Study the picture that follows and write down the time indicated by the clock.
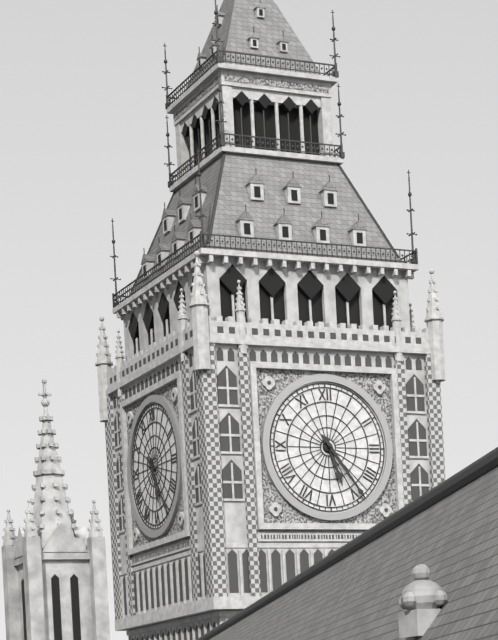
5:24
